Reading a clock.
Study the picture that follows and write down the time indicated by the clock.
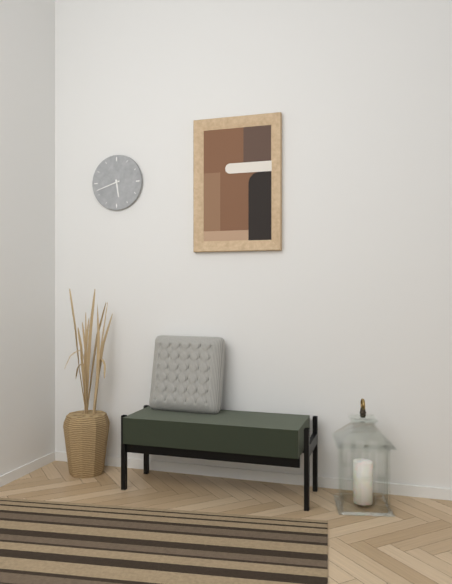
5:42
